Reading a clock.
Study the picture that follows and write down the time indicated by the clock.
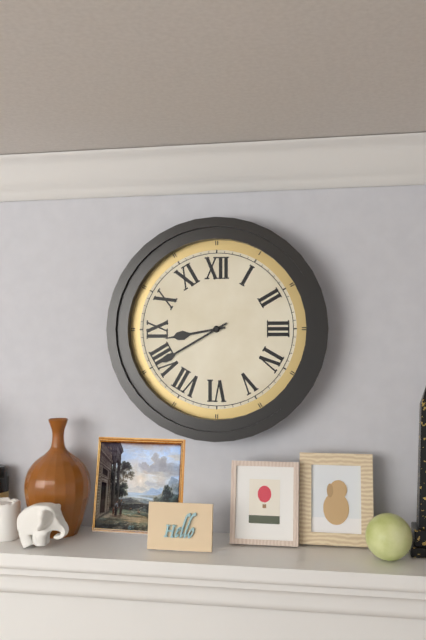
8:40
